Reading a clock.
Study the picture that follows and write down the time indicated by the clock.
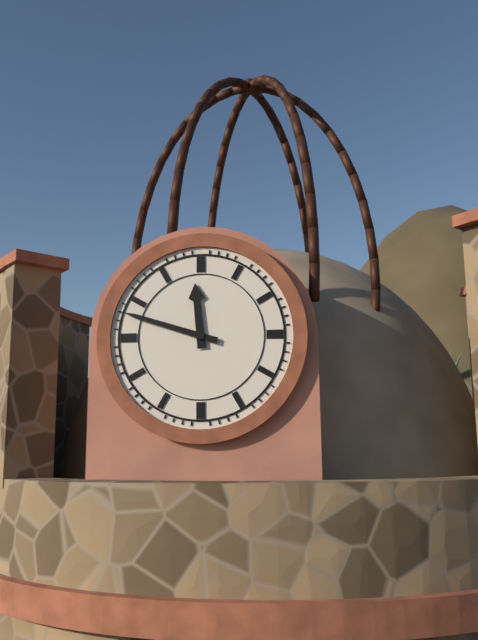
11:48
